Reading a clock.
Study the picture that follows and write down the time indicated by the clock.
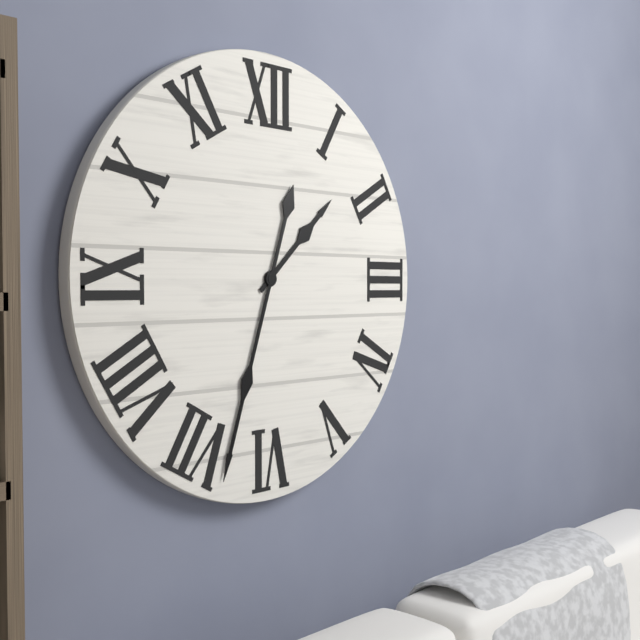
1:33
